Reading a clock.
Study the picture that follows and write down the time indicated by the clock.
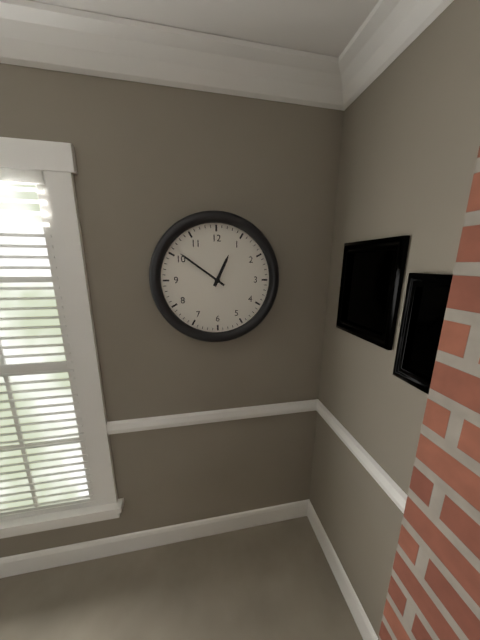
12:51
